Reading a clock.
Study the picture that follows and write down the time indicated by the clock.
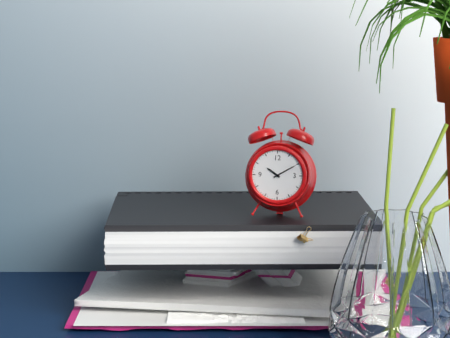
10:10
